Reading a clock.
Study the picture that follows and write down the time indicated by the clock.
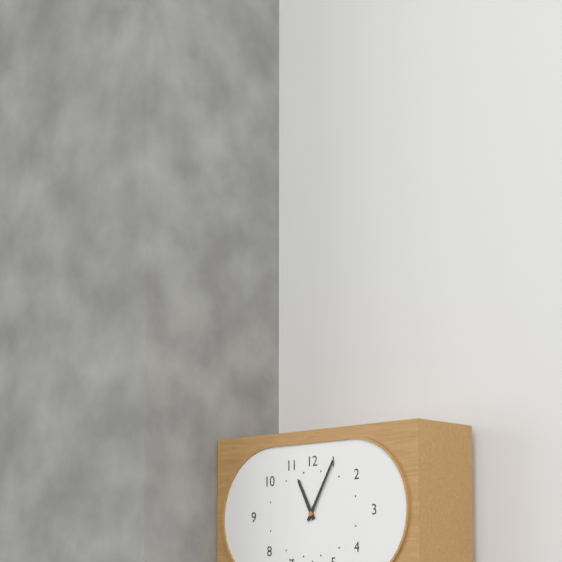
11:05
